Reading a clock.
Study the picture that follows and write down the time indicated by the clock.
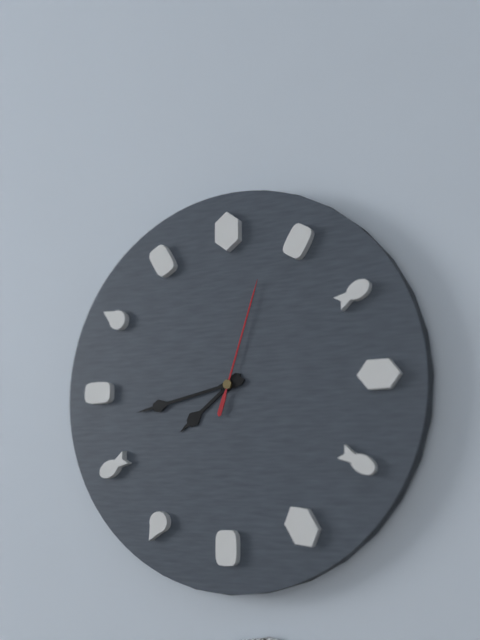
7:43:03
